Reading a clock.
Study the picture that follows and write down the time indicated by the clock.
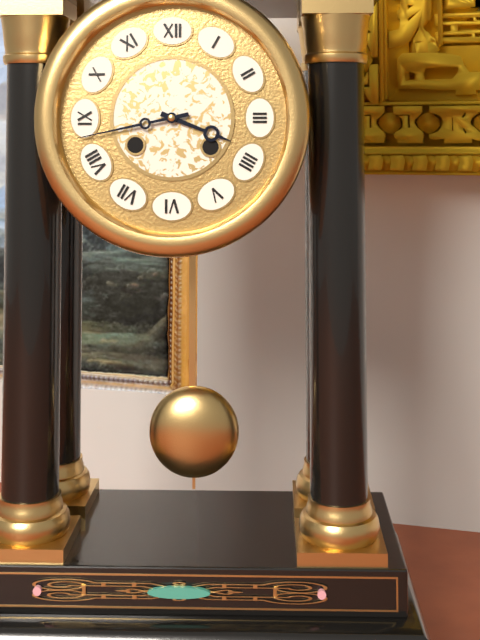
3:43
